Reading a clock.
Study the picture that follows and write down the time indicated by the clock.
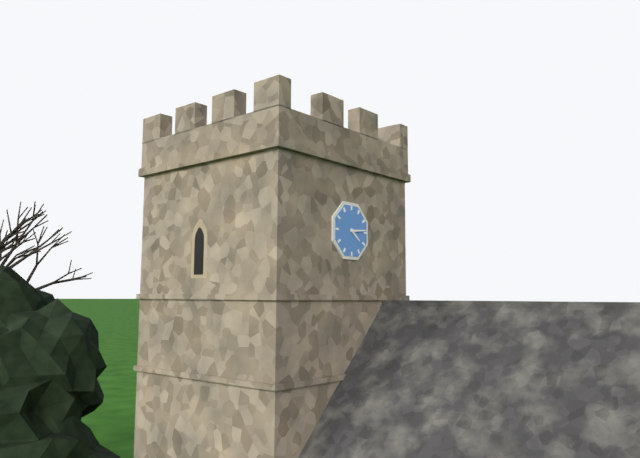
4:14
